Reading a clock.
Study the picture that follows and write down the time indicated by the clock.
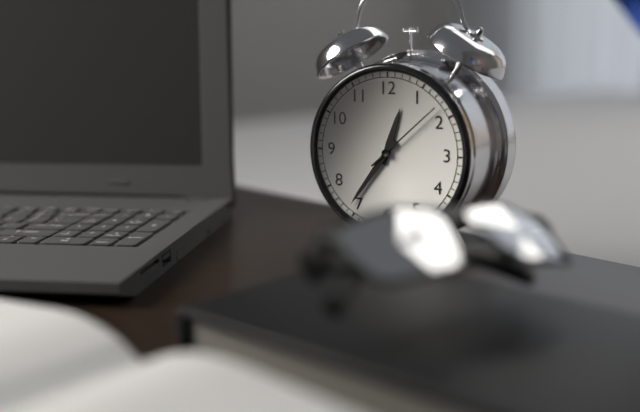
12:36:08
